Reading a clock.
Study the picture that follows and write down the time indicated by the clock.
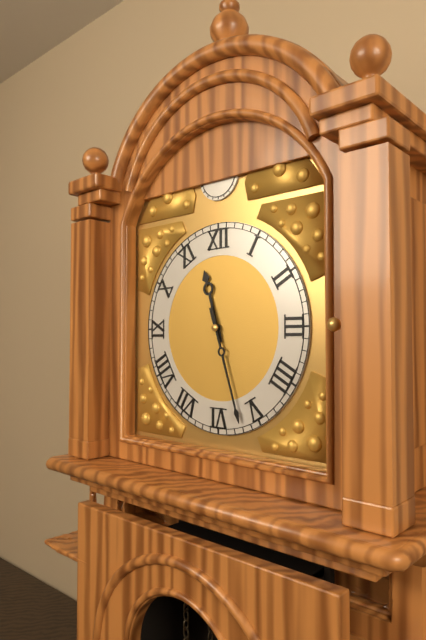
11:27
